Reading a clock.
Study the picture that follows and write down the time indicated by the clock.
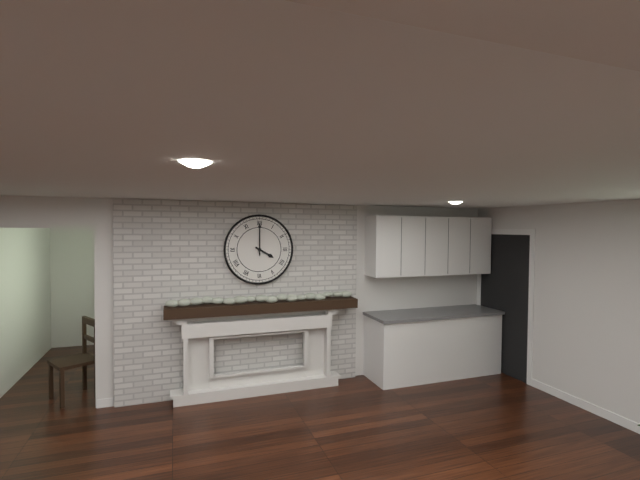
4:00
